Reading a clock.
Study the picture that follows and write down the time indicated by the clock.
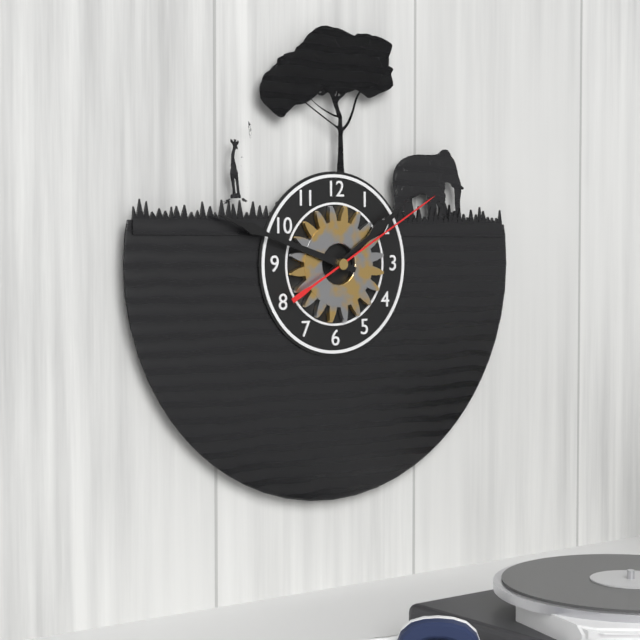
1:48:10
